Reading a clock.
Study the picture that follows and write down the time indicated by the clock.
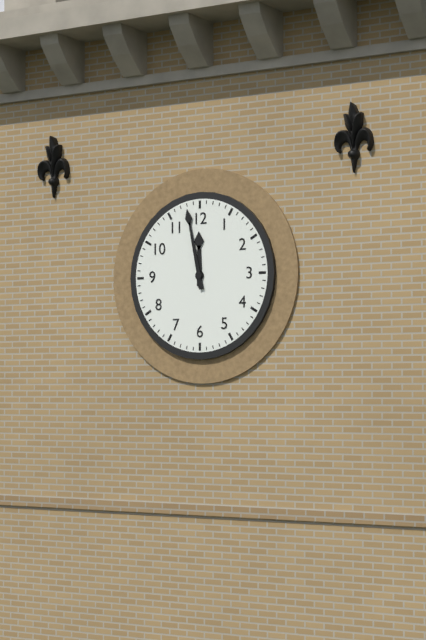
11:58
